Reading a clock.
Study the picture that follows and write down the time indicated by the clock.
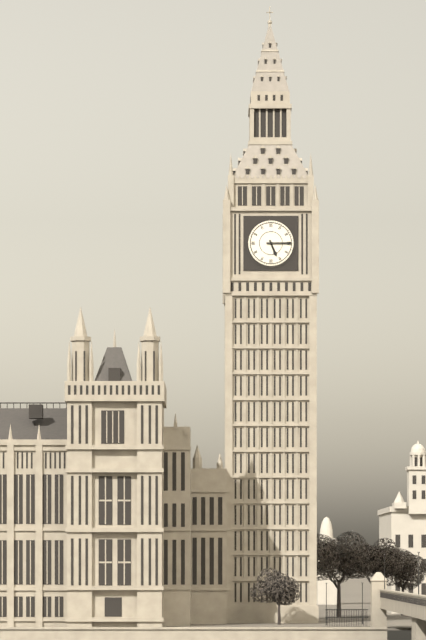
5:15
